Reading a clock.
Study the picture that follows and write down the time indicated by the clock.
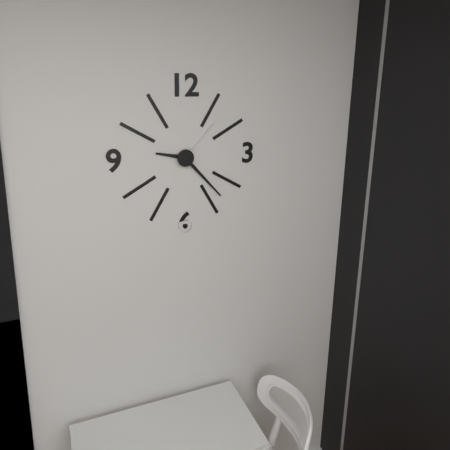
9:23:07
